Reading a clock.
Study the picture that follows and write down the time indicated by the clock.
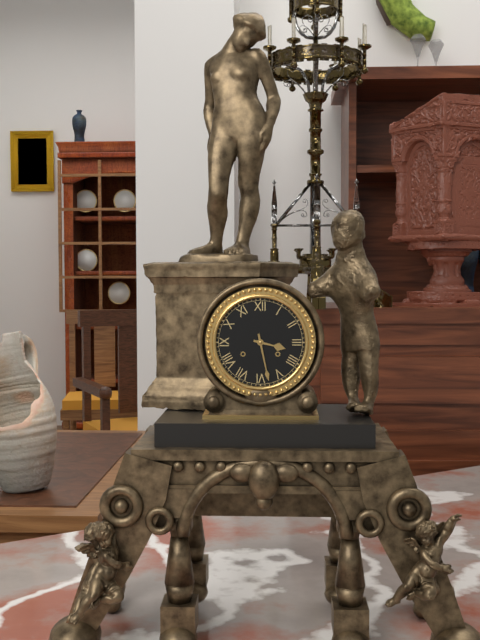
3:28
